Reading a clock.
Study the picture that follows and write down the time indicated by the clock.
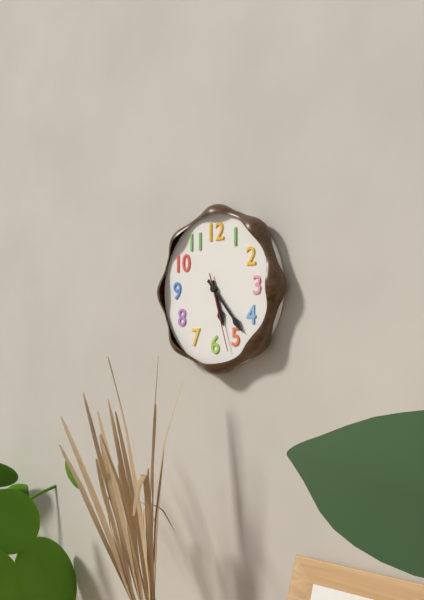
5:23:27
